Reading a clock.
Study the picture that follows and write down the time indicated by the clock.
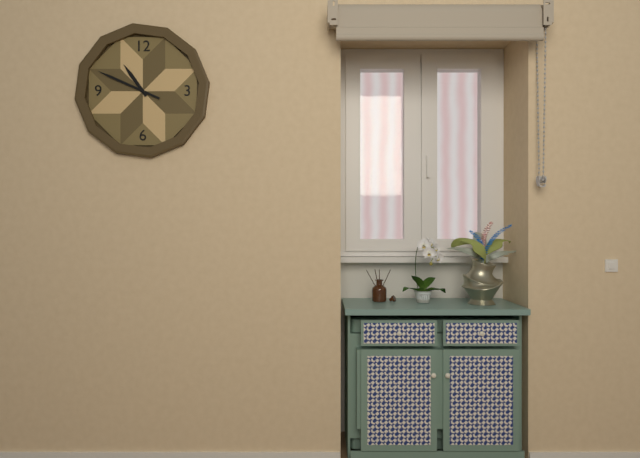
10:49
